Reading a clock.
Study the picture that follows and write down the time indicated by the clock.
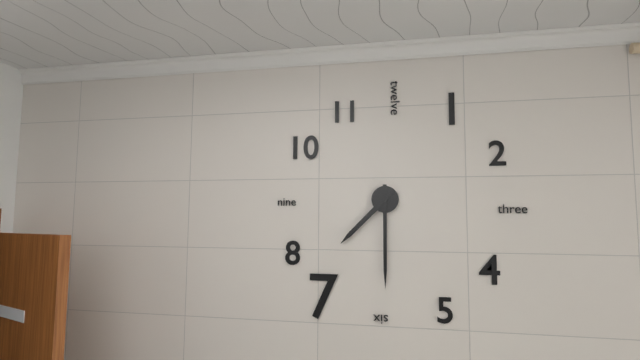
7:30
